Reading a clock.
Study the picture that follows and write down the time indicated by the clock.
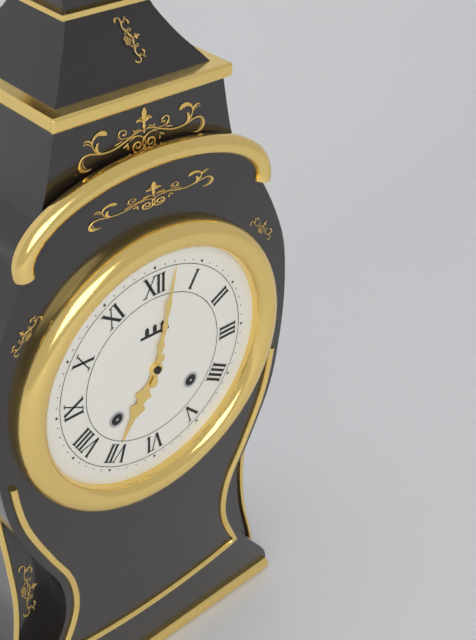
7:02
